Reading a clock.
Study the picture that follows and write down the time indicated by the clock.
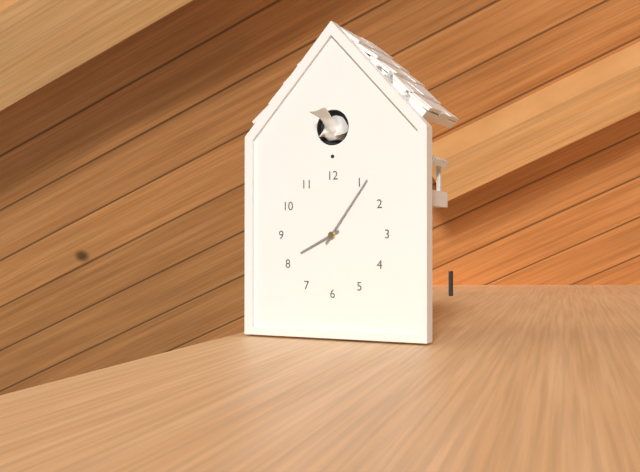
8:06
